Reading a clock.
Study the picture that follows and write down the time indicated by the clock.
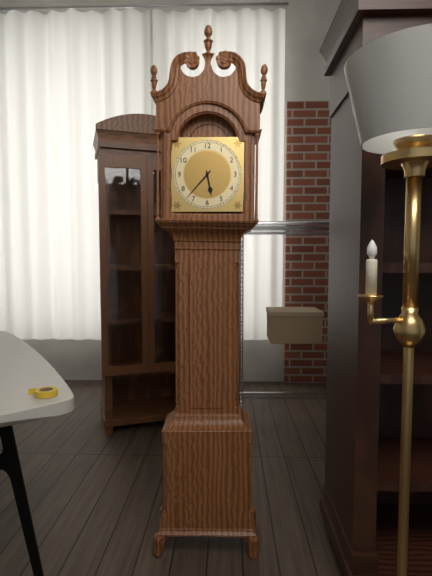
5:37
